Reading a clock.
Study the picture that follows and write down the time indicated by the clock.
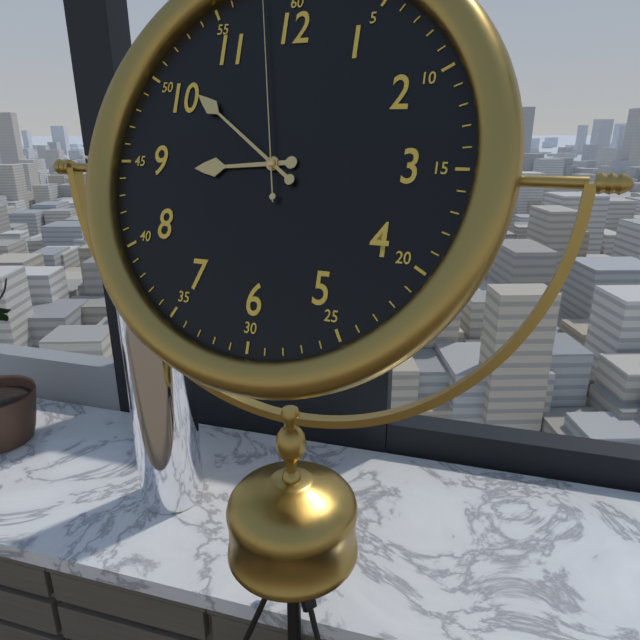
8:51
